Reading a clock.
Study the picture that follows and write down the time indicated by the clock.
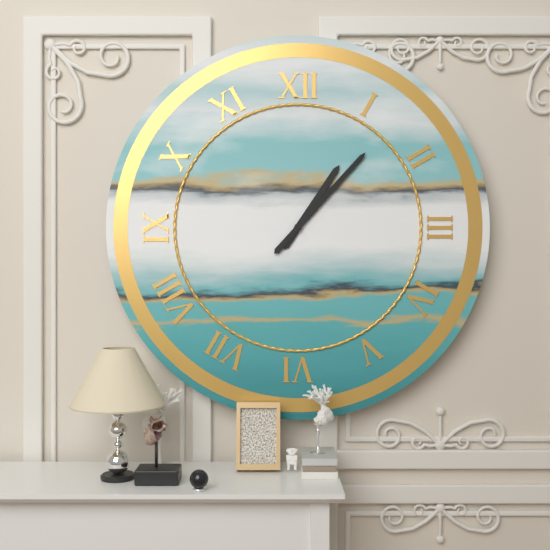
1:07
